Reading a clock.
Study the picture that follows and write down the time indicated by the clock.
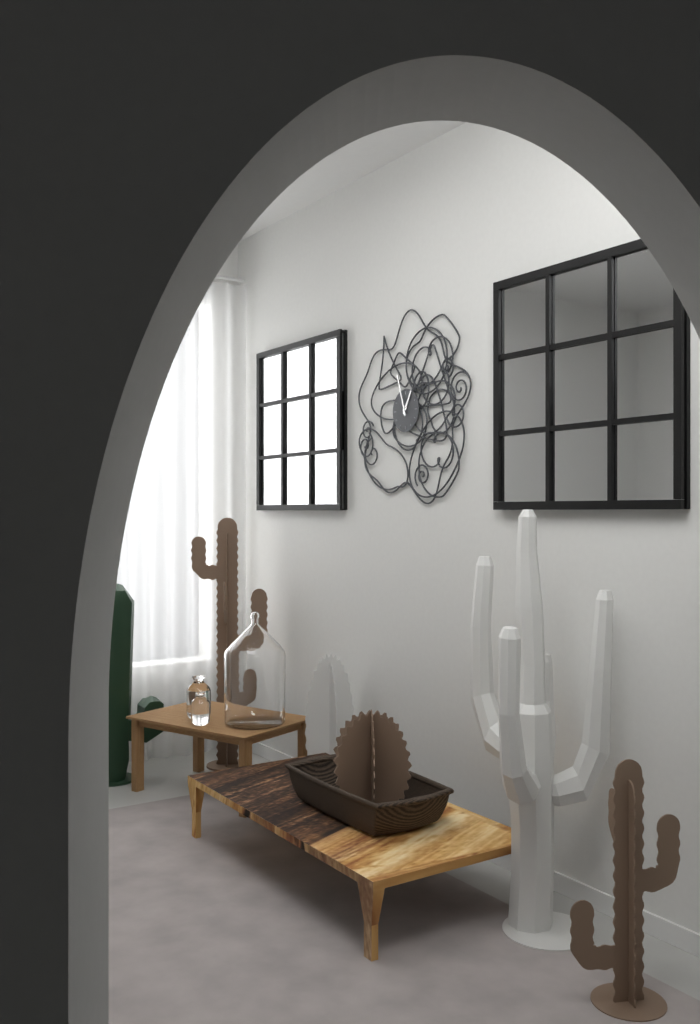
12:57
